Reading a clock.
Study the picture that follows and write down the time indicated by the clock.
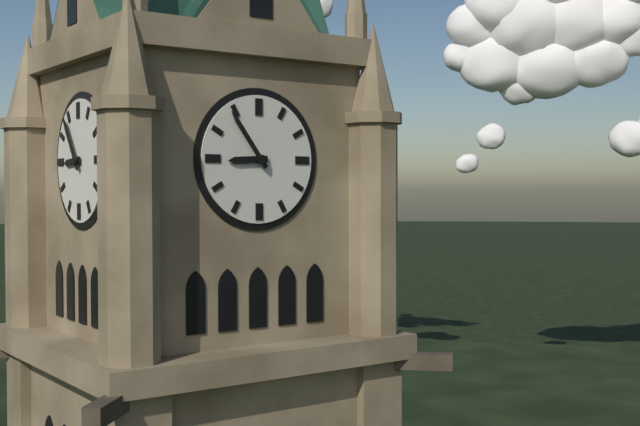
8:54
